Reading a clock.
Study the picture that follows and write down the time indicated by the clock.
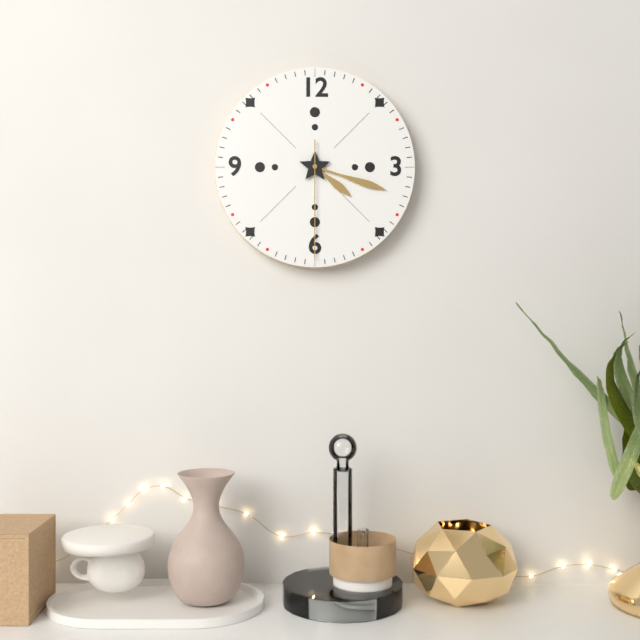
4:18:30
